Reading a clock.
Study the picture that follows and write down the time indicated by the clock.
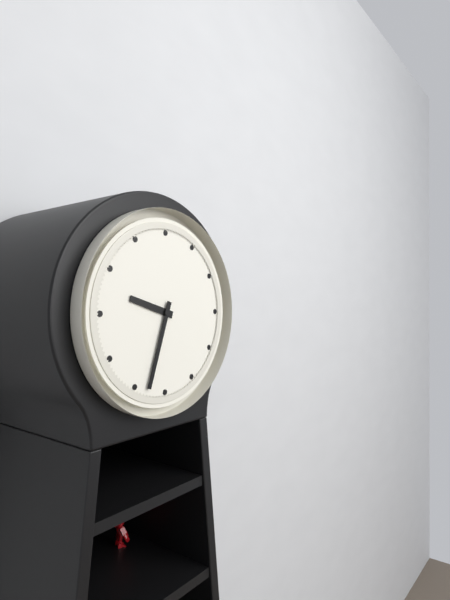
9:33
